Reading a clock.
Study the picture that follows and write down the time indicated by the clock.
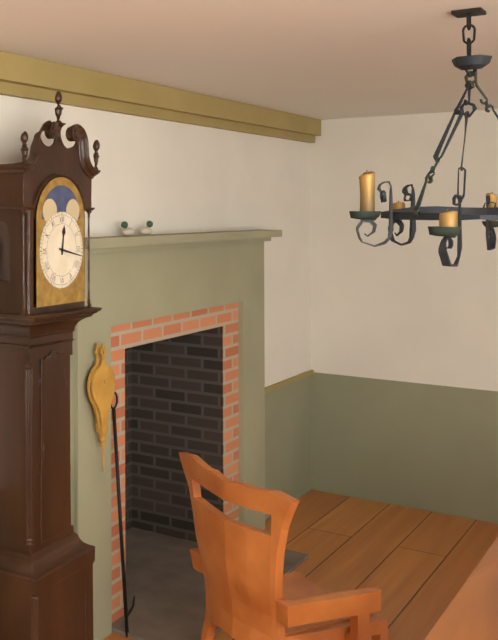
12:17
